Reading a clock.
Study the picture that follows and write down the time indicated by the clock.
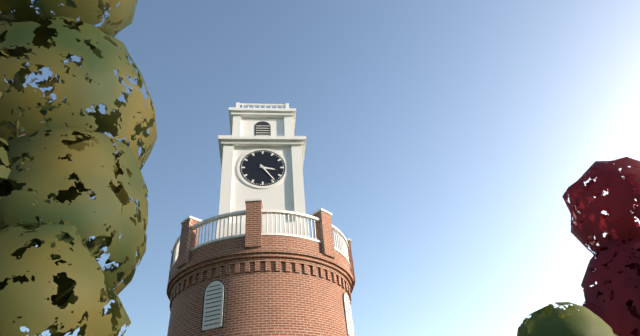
3:24
